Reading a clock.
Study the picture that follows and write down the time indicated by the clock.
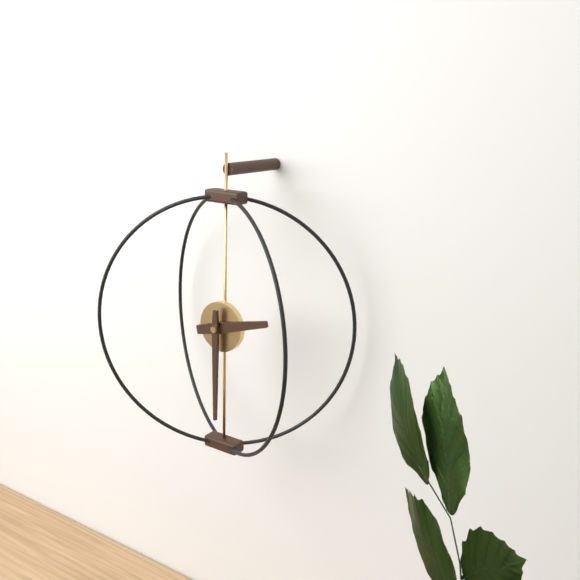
2:30
